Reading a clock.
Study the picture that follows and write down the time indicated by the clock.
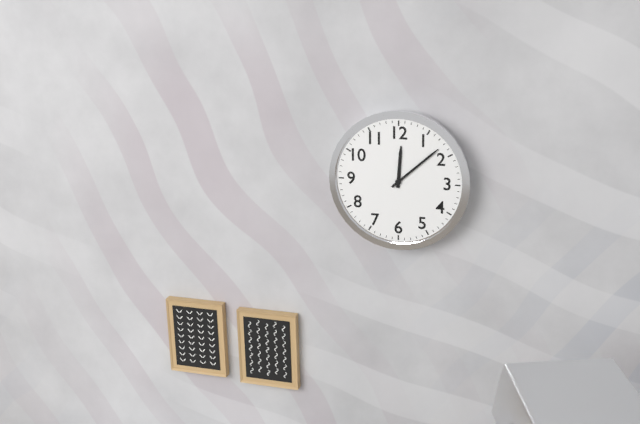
12:08
